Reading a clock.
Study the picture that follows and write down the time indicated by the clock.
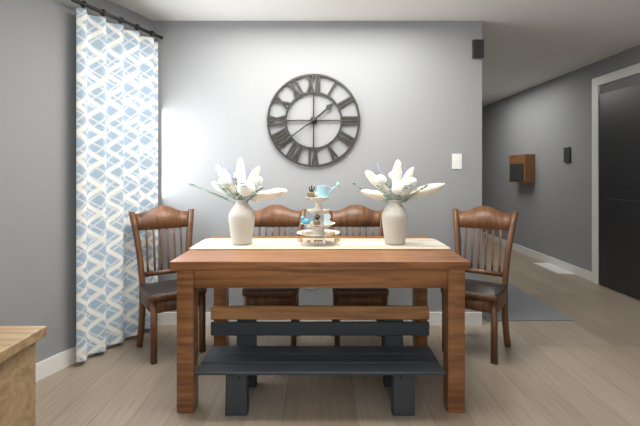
1:39
